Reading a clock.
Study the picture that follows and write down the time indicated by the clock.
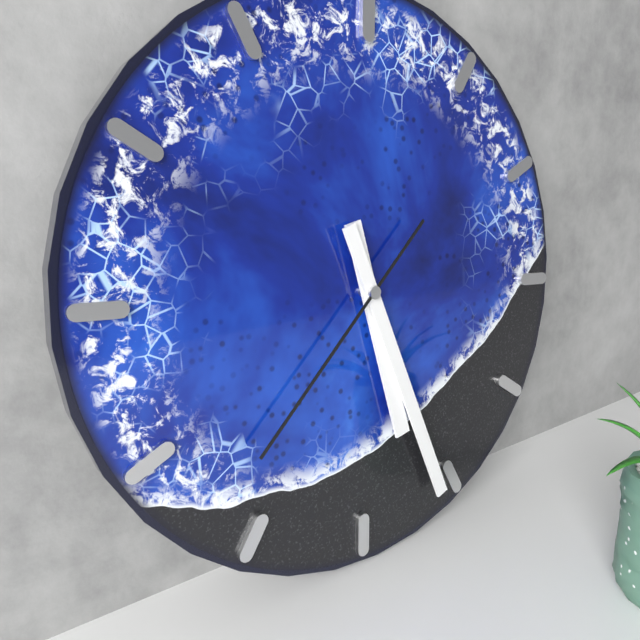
5:26:37
